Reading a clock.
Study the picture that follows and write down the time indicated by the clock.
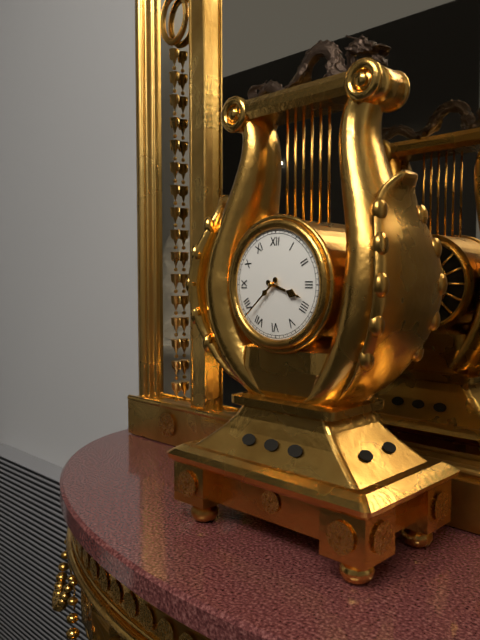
3:38
